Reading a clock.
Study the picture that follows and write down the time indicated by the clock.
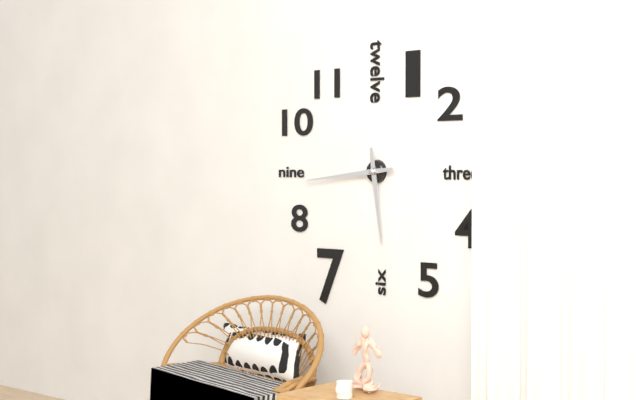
5:44
